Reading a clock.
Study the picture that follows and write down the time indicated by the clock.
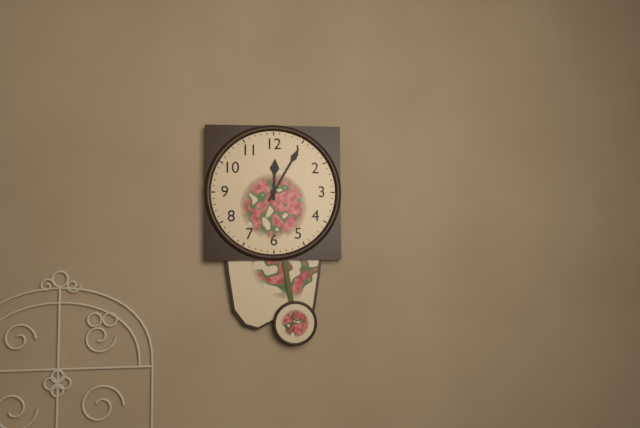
12:05
